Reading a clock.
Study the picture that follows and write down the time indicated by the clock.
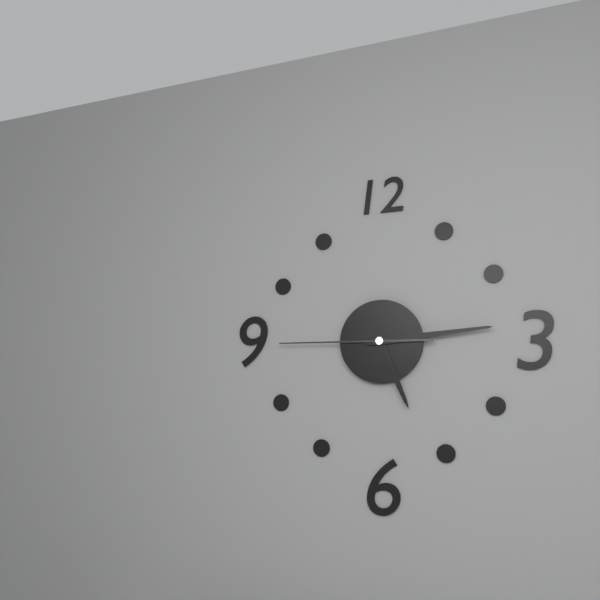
5:14:45
